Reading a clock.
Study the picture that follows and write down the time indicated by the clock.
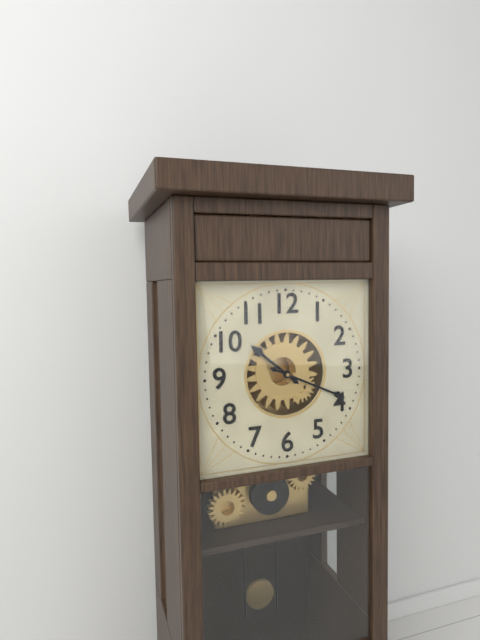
10:19
